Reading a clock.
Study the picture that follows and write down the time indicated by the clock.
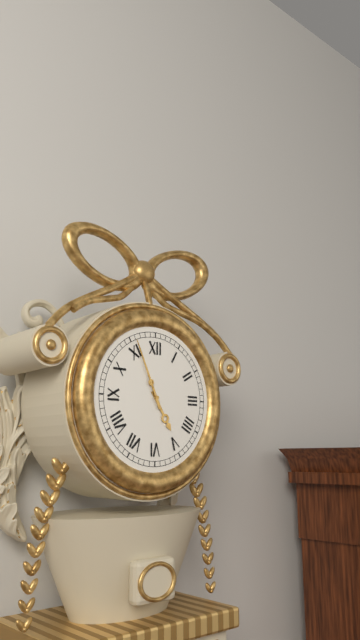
4:56
